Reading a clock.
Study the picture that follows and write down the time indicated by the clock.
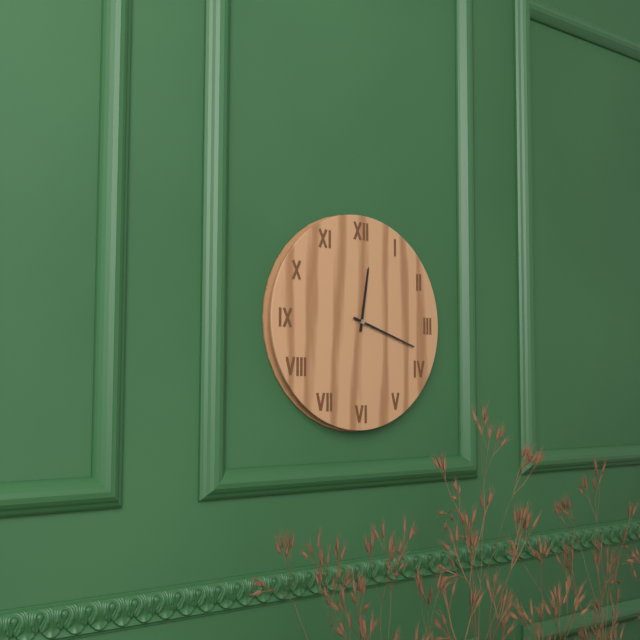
12:18
